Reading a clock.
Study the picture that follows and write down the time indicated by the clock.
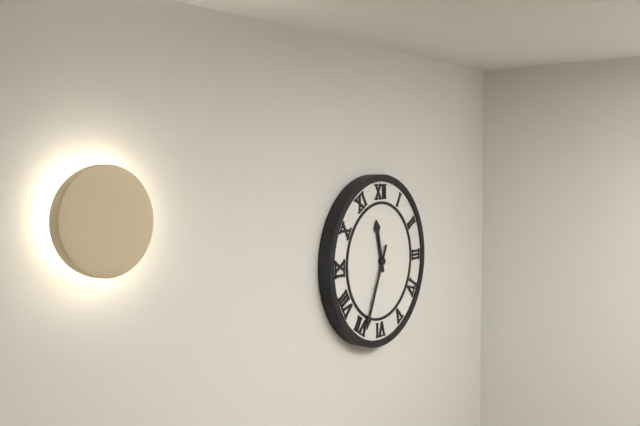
11:34
